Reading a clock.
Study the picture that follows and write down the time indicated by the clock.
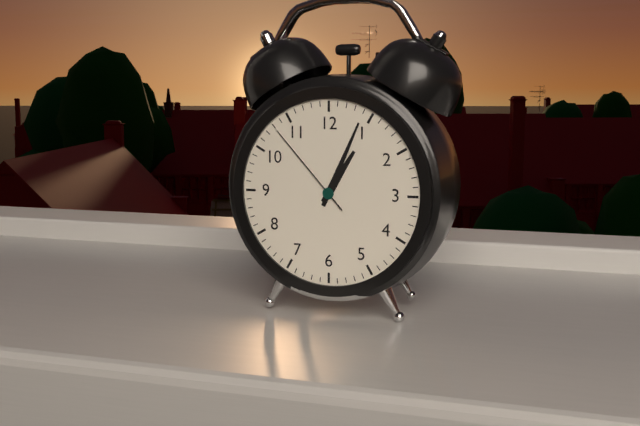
1:04:53
